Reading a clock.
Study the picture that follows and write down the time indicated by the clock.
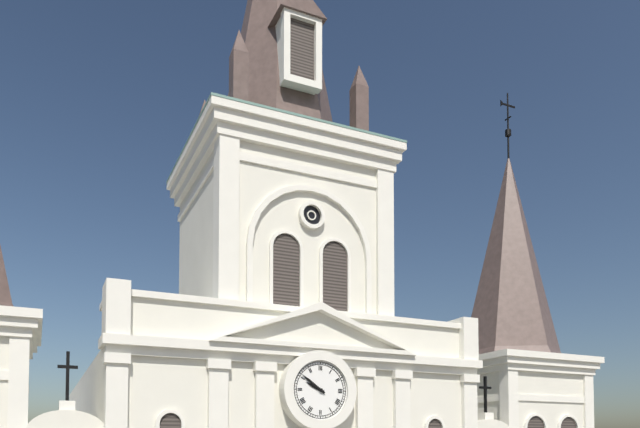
9:51
